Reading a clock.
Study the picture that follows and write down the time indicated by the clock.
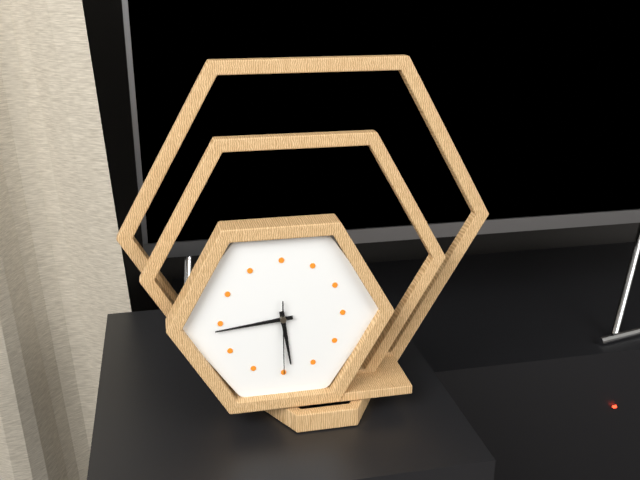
5:44:30
